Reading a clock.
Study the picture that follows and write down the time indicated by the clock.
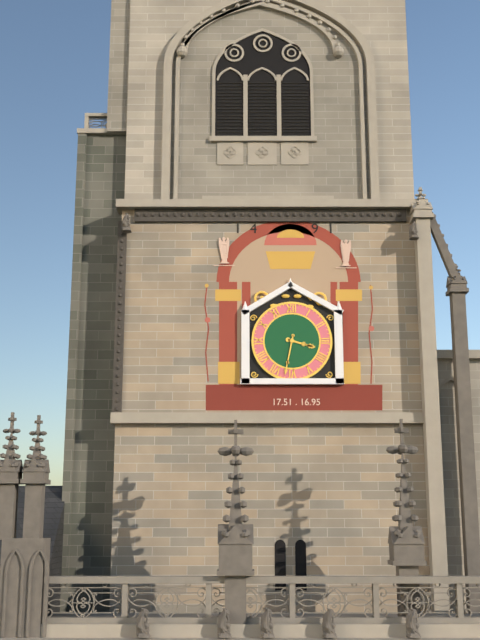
3:32
